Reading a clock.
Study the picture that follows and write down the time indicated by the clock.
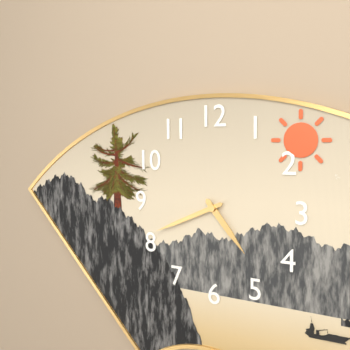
4:41
